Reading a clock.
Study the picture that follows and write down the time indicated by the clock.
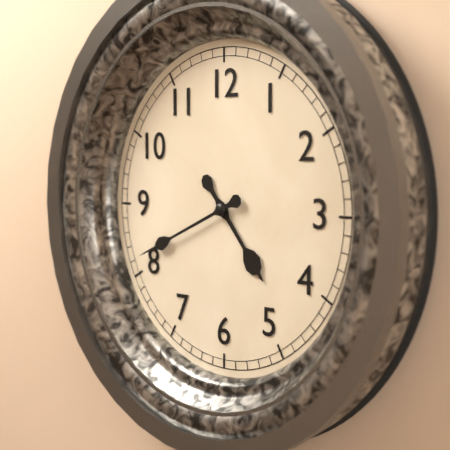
4:41
